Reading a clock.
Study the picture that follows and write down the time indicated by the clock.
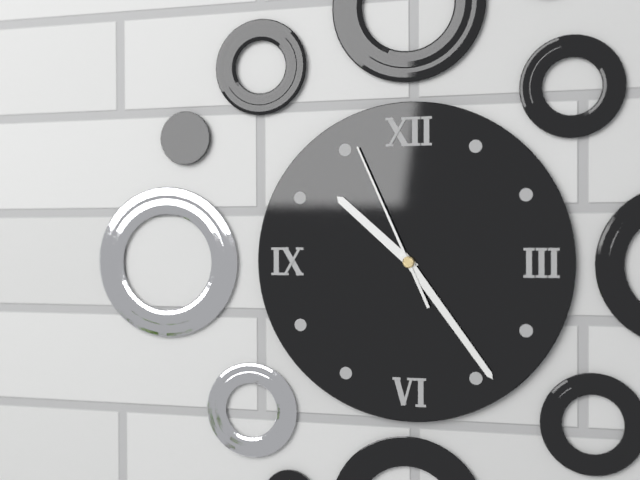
10:24:56
